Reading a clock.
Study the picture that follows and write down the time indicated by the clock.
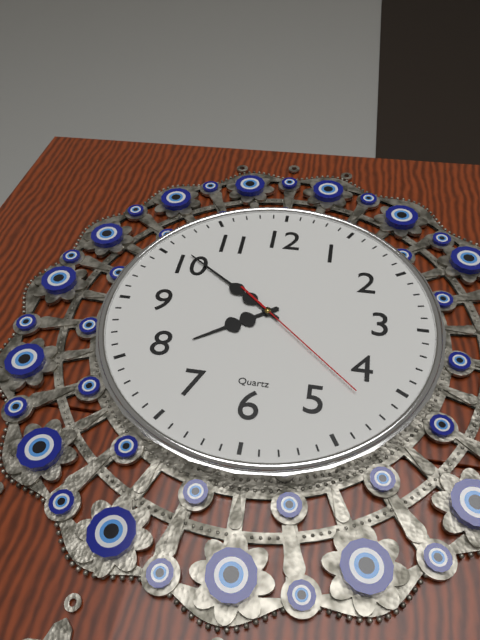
7:51:22
